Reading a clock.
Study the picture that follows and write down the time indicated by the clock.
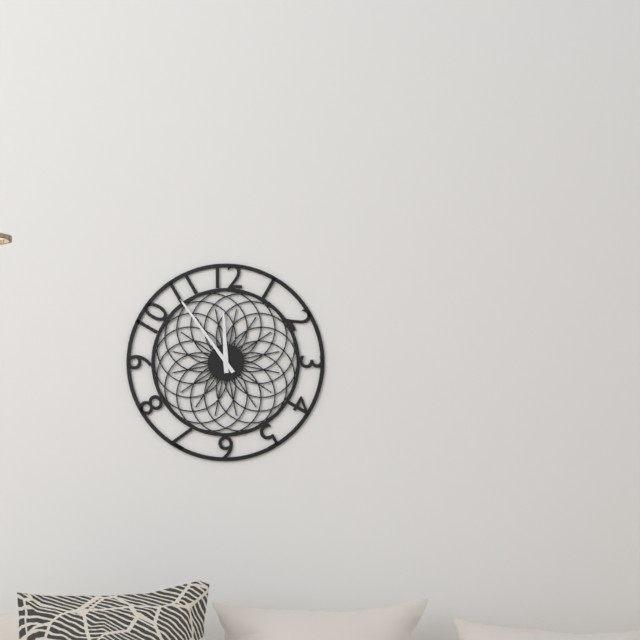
11:54
